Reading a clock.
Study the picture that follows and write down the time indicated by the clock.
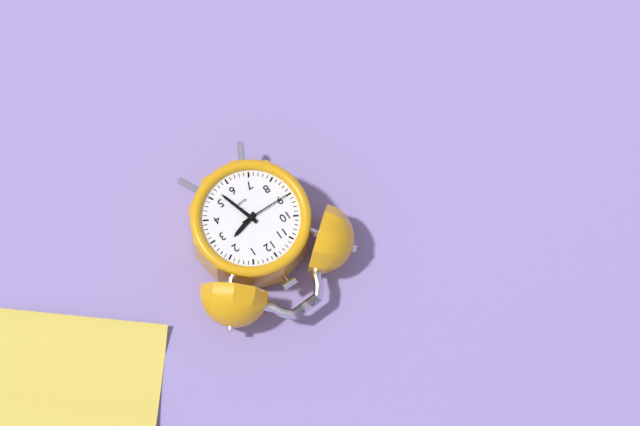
2:27:45
